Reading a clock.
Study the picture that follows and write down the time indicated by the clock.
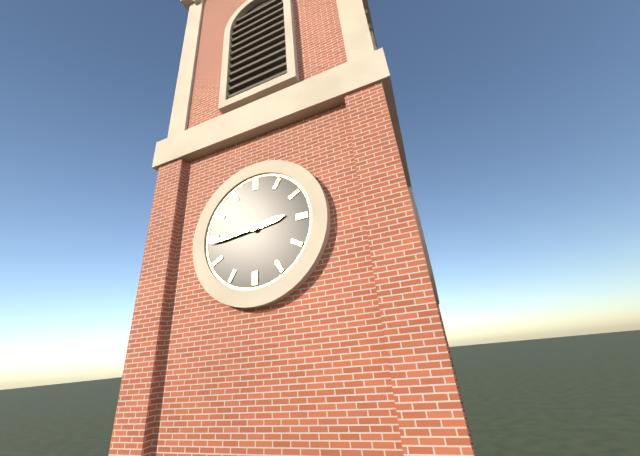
2:44
